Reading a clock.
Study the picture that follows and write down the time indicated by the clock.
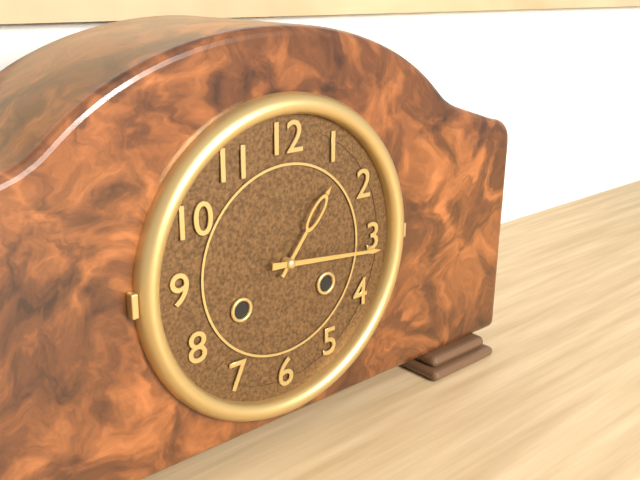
1:16
